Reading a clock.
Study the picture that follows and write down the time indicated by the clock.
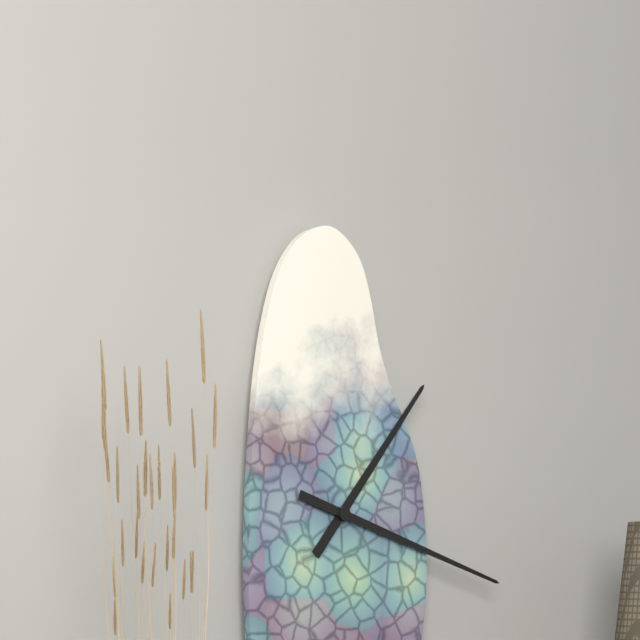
1:18
